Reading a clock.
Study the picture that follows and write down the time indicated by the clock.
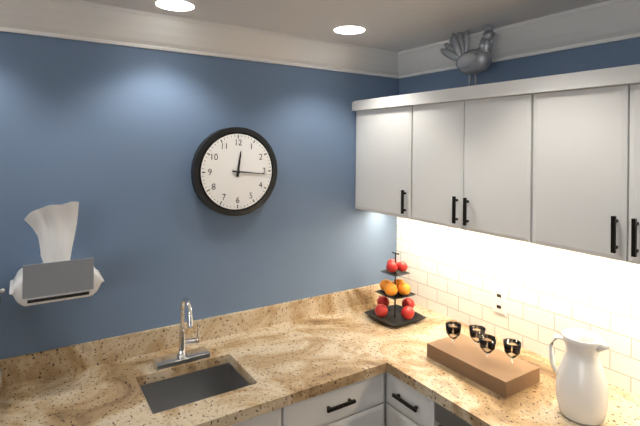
12:16
